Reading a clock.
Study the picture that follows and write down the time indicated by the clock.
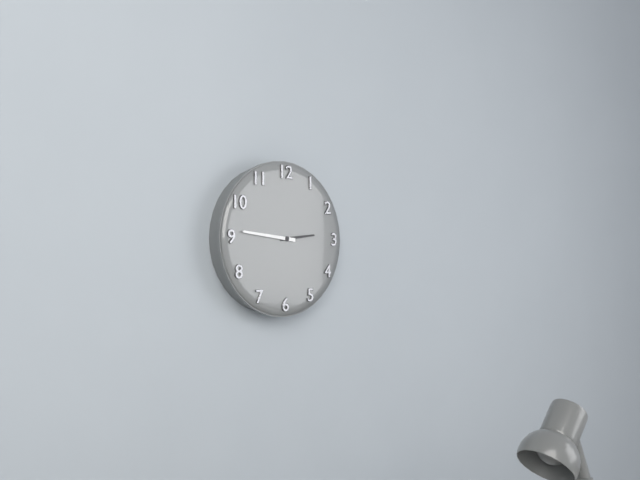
2:46
